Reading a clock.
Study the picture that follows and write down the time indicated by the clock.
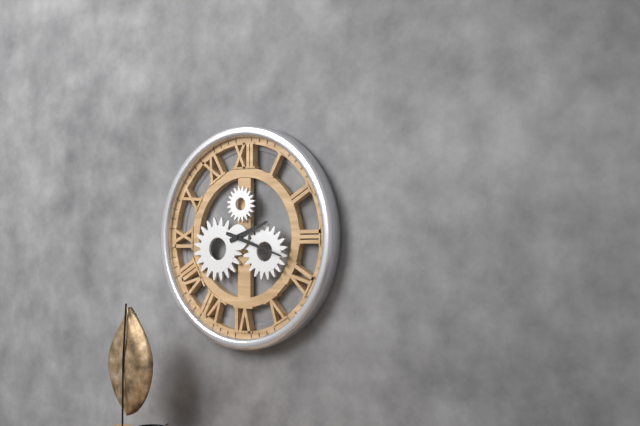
2:18
